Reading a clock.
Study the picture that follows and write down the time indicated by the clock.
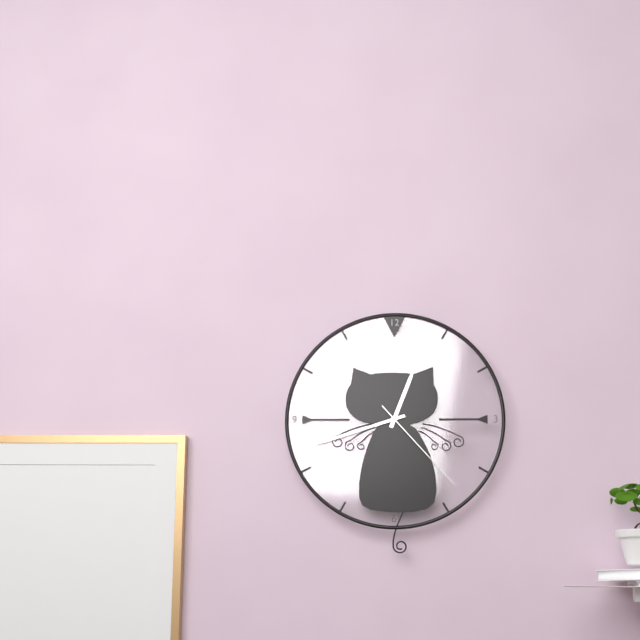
12:42:23
